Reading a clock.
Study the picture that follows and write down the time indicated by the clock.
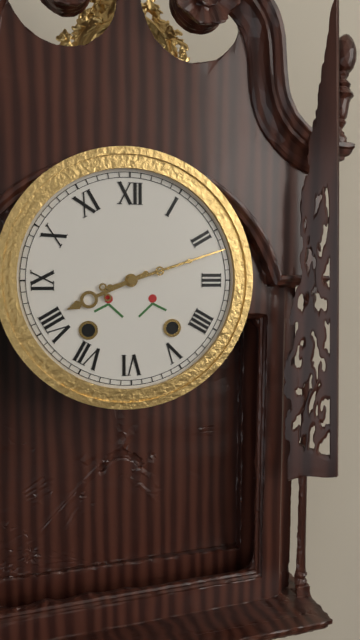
8:12
